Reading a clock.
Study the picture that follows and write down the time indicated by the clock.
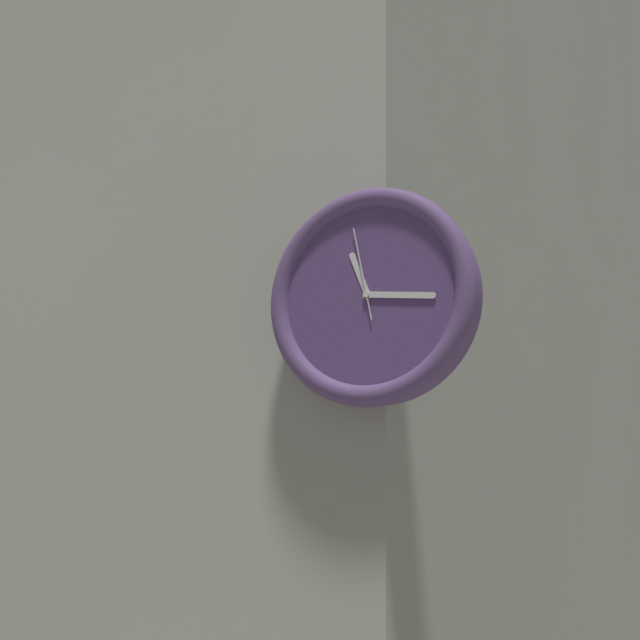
11:16:58
